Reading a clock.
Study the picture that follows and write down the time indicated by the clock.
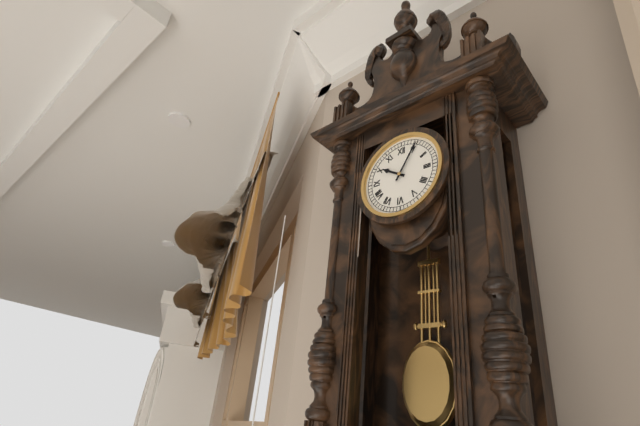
10:05
